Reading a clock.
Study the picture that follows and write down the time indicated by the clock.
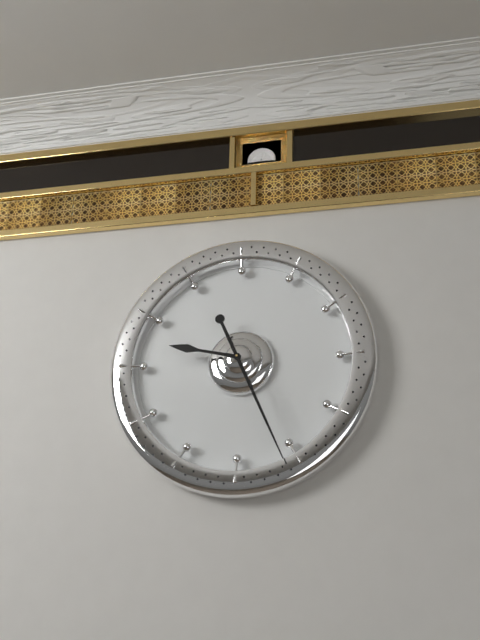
9:26
